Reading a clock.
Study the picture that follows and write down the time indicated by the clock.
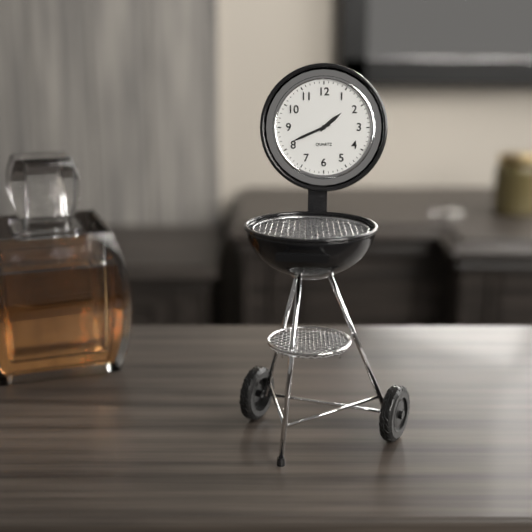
1:41
